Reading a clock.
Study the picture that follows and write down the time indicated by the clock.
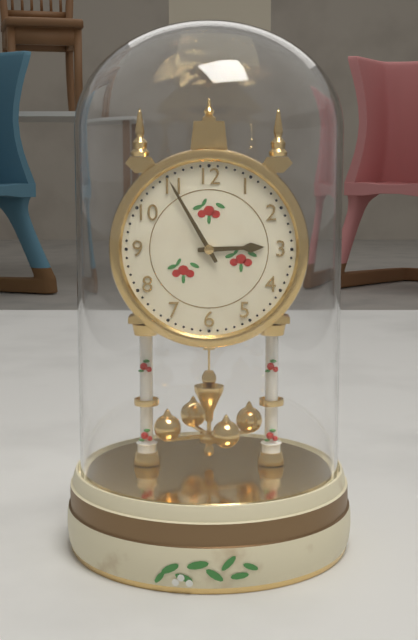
2:55
